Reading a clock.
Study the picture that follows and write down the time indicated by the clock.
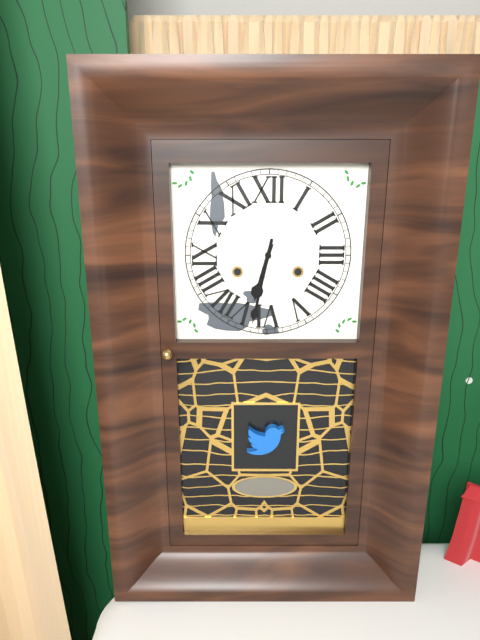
6:32
